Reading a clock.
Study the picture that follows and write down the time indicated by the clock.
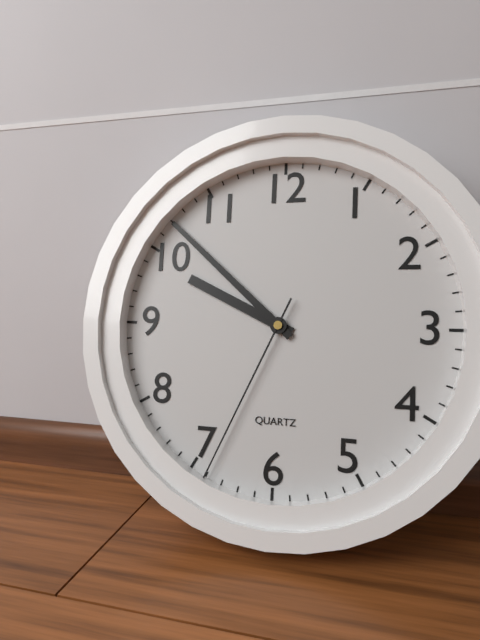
9:52:34
